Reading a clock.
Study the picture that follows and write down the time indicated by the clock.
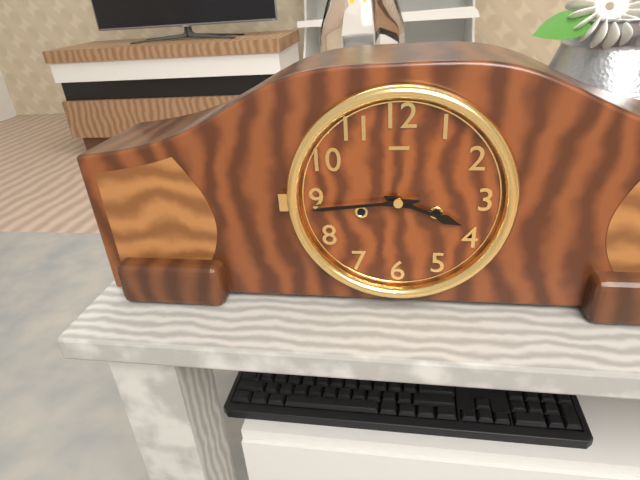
3:44
